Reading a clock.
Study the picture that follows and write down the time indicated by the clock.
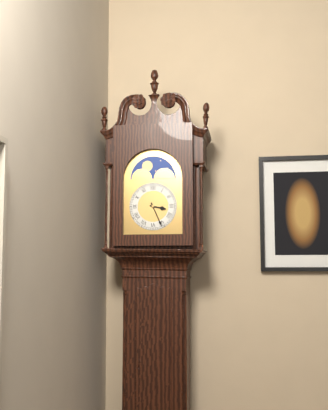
3:26
